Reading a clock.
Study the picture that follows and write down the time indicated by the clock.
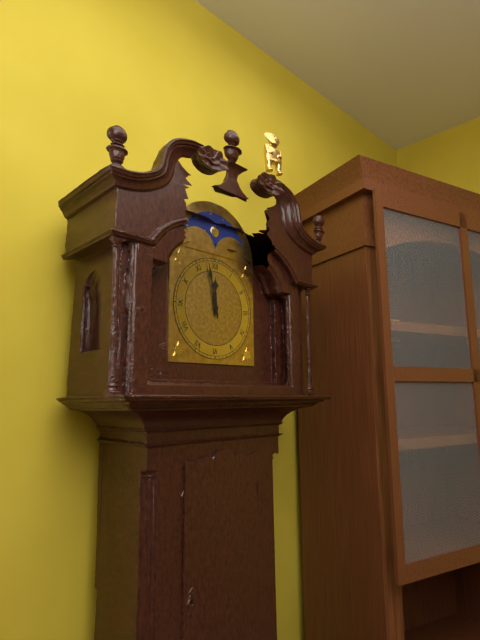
11:58
